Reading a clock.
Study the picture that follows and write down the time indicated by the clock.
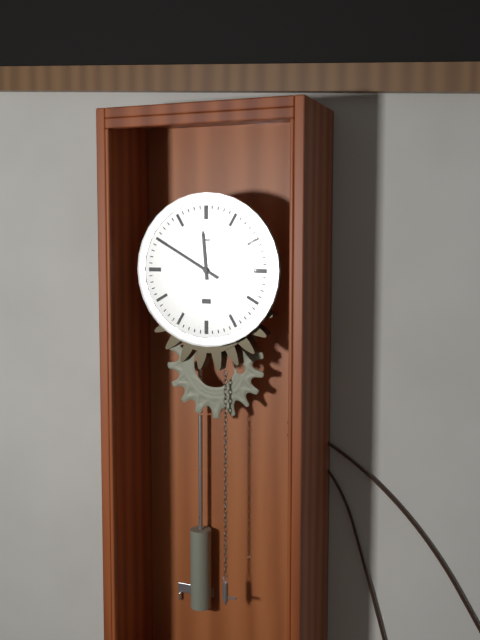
11:50
